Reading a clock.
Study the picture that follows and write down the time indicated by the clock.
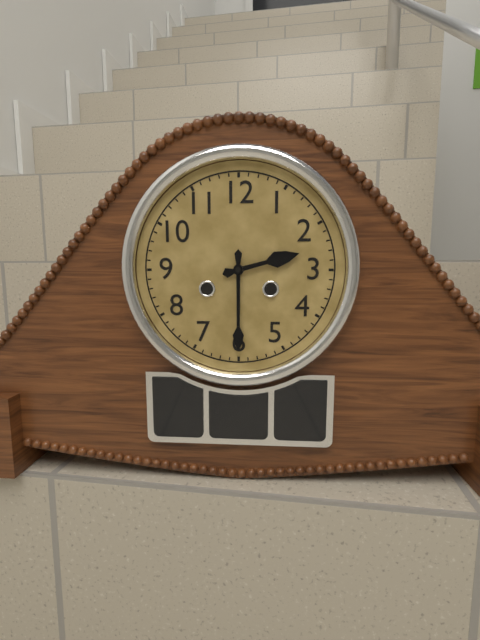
2:30
